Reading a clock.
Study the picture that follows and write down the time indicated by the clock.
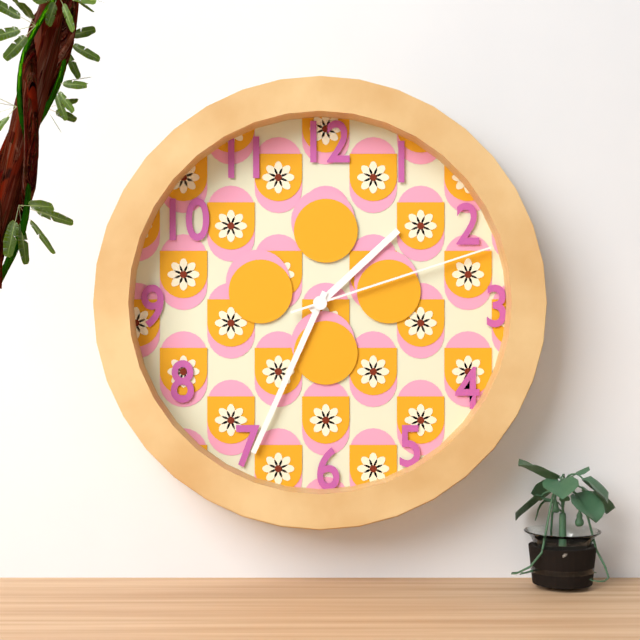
1:34:12
